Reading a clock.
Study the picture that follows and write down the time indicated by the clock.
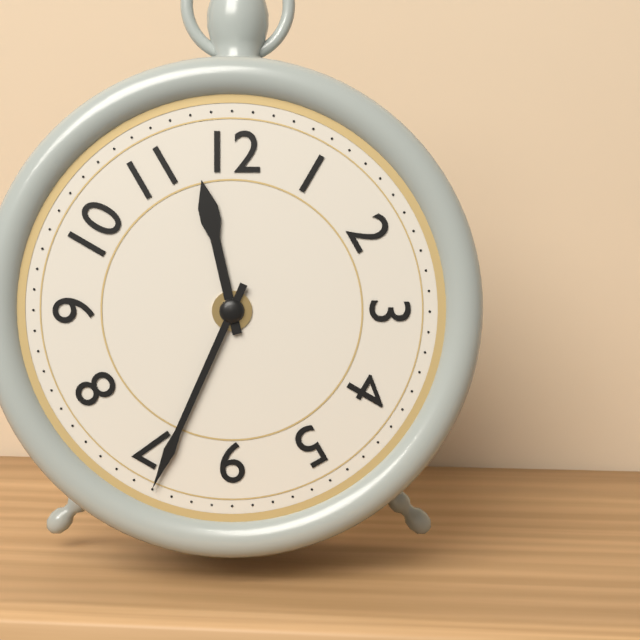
11:34
